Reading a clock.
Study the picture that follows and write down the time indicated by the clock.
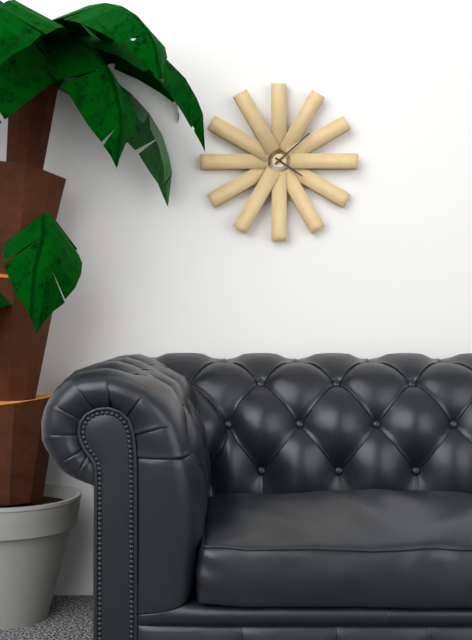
4:08
